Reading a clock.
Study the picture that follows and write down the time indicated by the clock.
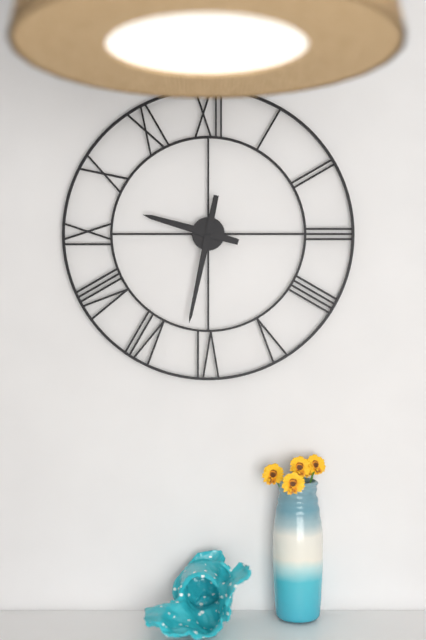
9:32
